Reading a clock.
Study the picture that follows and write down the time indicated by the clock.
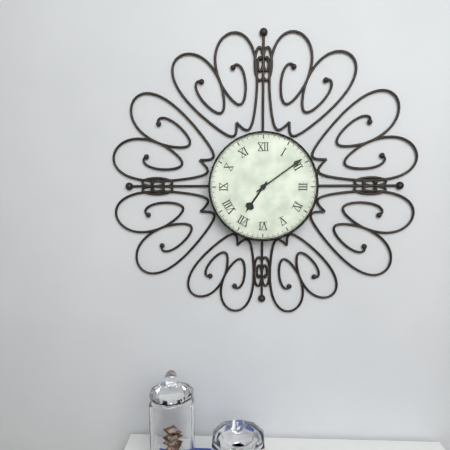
7:09
